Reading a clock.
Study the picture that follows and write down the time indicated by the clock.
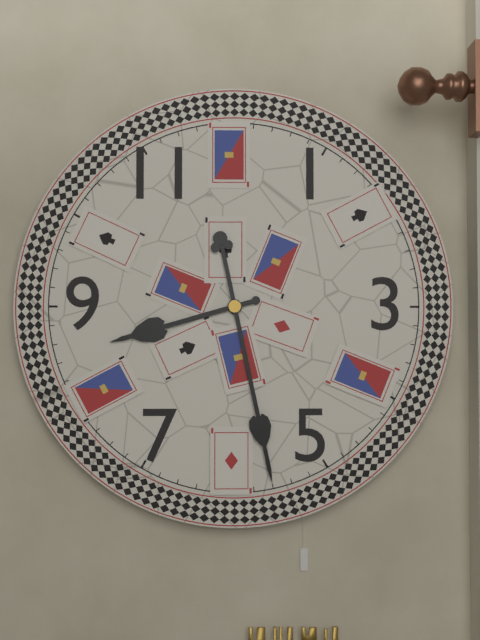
8:28
